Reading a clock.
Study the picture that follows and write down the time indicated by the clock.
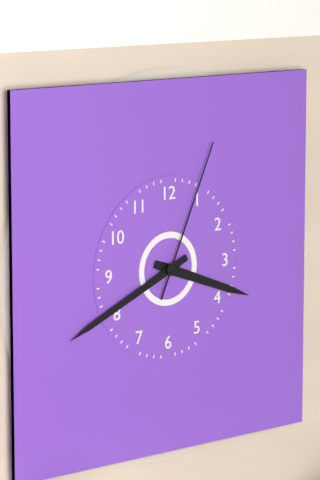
3:41:04
